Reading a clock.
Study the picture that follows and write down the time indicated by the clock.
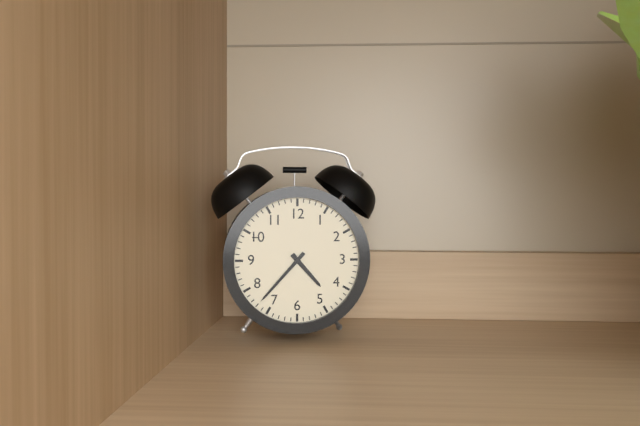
4:37
